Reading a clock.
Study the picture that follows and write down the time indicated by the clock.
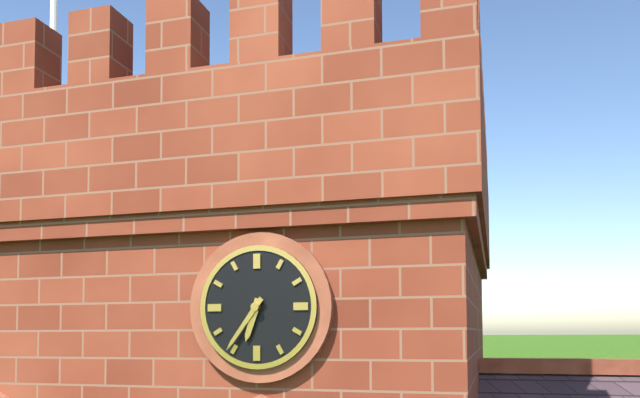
6:36
